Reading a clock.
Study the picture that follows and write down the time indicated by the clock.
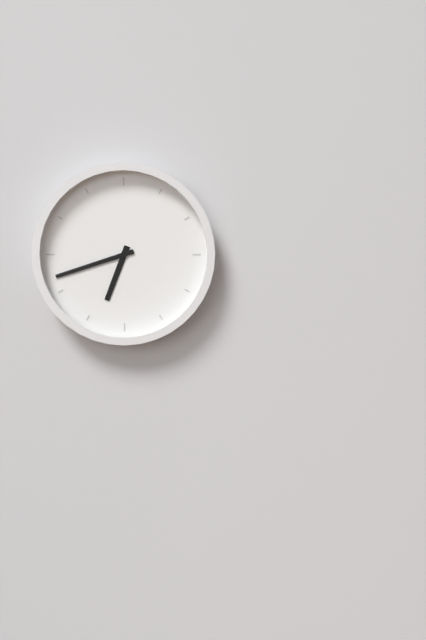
6:42
